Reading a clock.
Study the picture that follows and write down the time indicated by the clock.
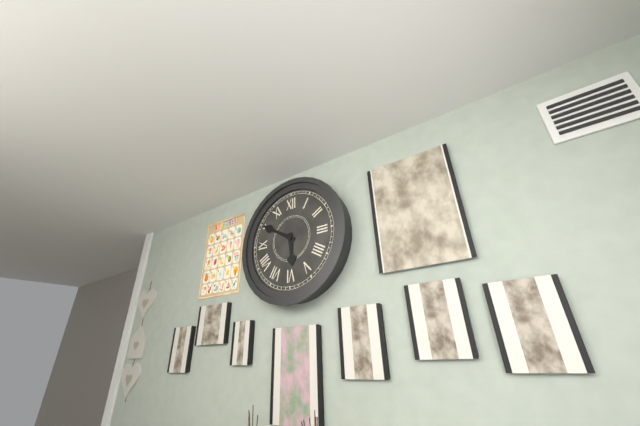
5:50
